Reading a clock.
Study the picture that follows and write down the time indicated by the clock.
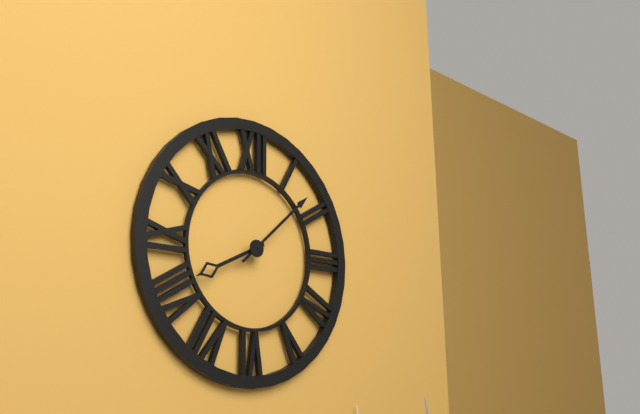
8:08
